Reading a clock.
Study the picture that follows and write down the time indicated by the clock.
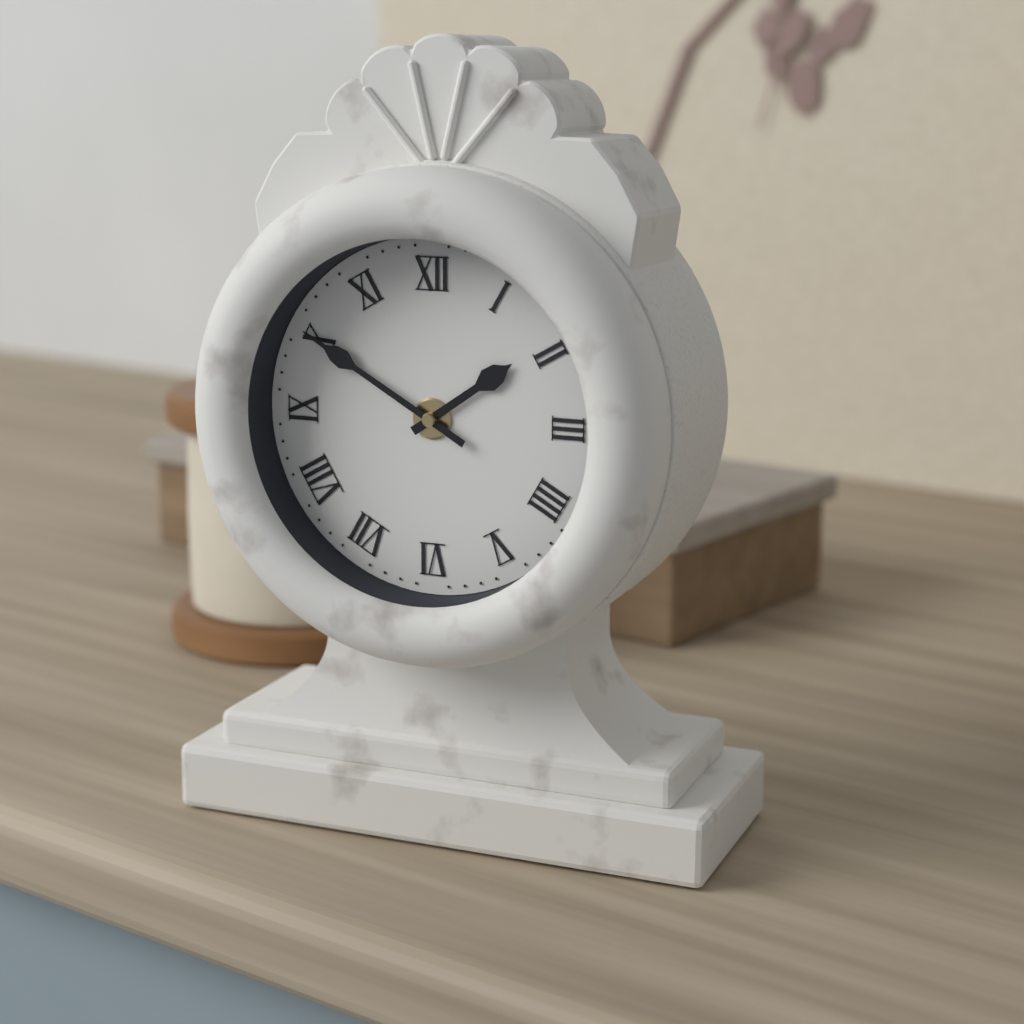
1:50
